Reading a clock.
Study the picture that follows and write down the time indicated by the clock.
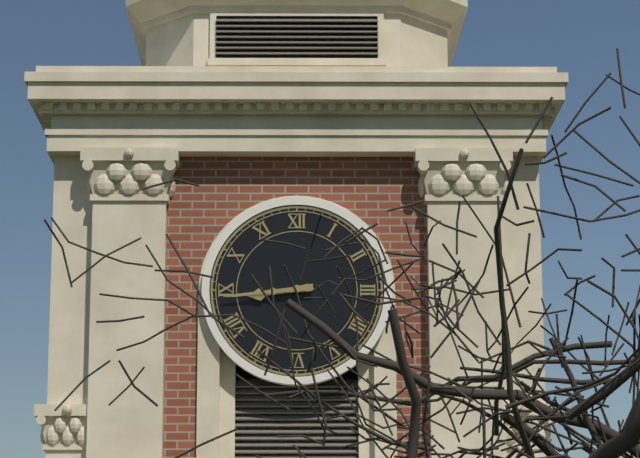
8:44
